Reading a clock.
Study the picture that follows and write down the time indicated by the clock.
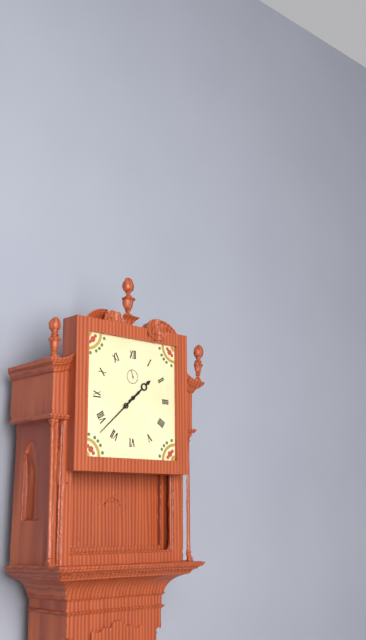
1:38
